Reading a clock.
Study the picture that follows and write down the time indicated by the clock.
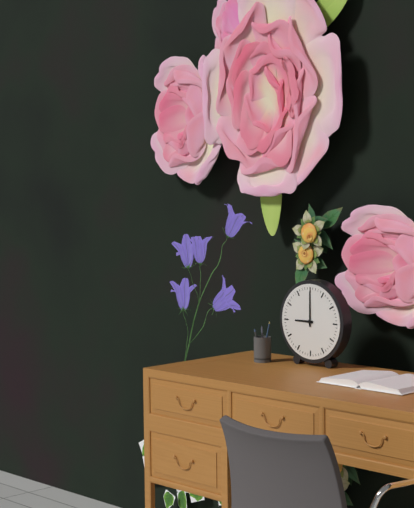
9:00
